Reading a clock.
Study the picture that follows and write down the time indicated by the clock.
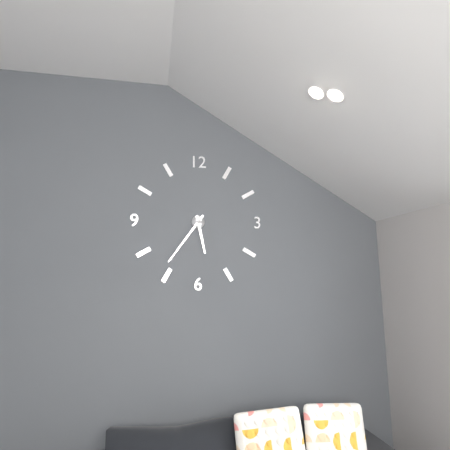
5:36
